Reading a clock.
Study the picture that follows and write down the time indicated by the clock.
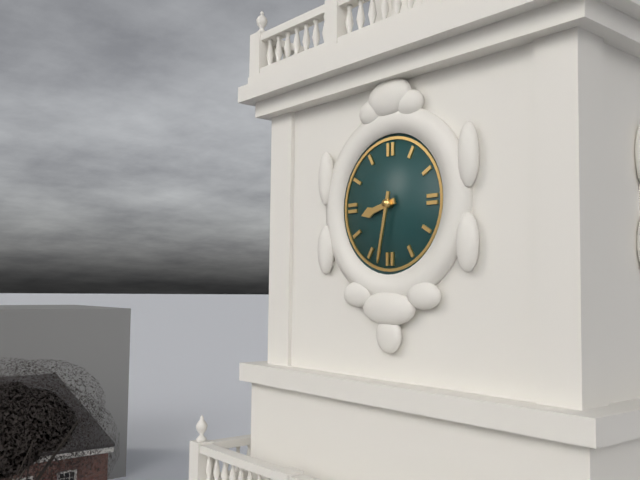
8:32
